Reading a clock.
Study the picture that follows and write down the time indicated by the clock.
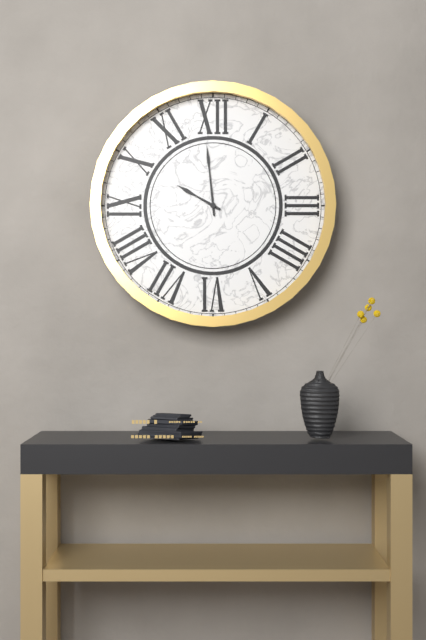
9:59
